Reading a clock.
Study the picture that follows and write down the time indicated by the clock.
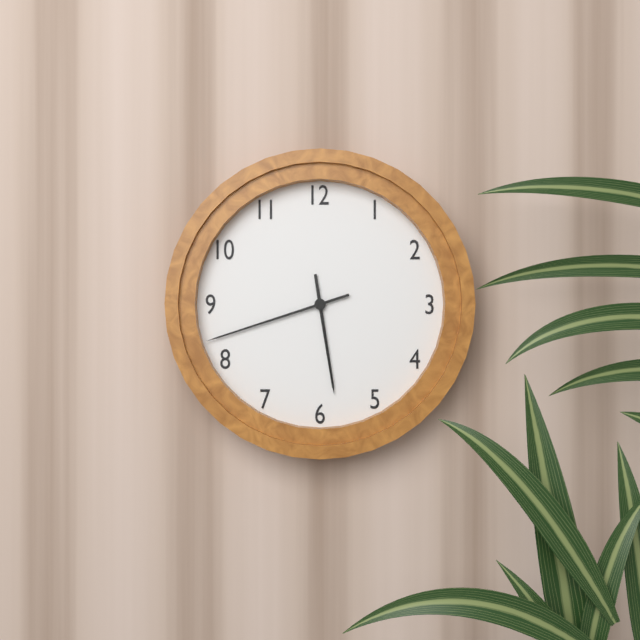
5:42
